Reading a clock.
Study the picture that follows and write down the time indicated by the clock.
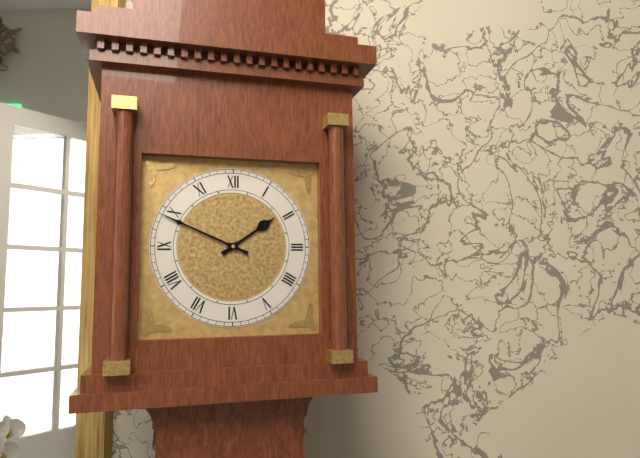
1:49
